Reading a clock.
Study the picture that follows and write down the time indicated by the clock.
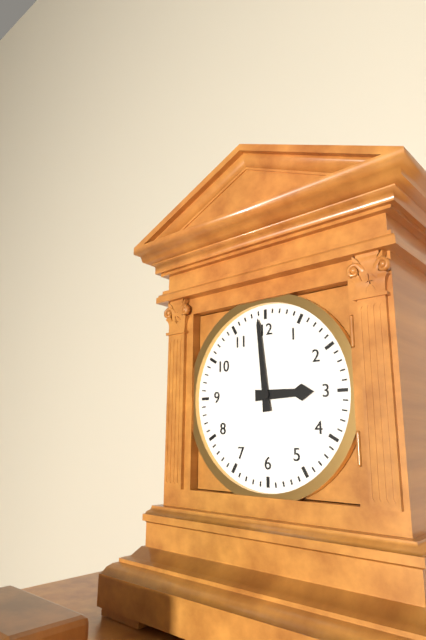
2:59
